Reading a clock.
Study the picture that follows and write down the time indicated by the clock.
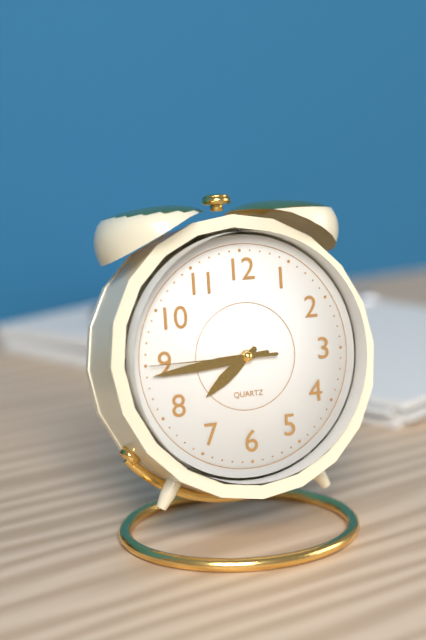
7:44:45
